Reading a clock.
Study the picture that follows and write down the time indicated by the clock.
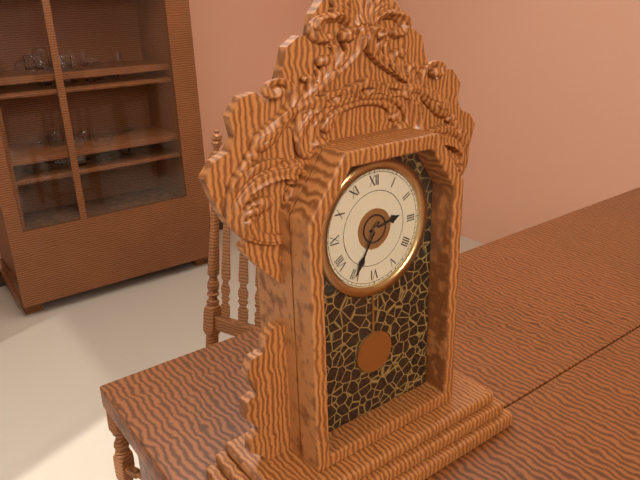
2:35
